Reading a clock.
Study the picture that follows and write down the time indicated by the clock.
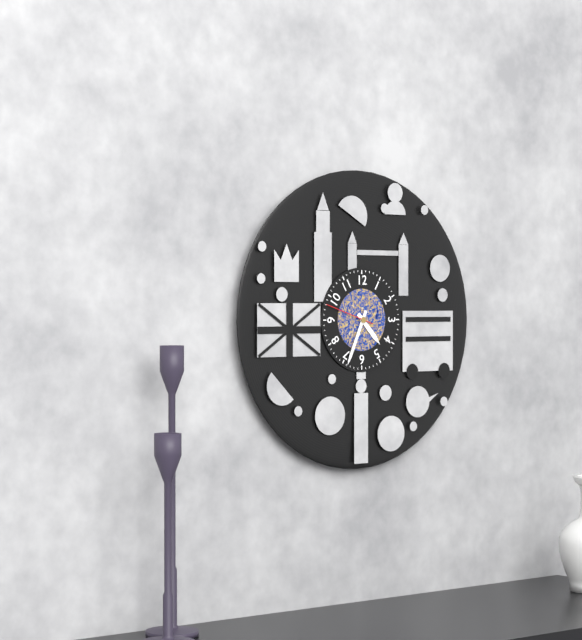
4:34
